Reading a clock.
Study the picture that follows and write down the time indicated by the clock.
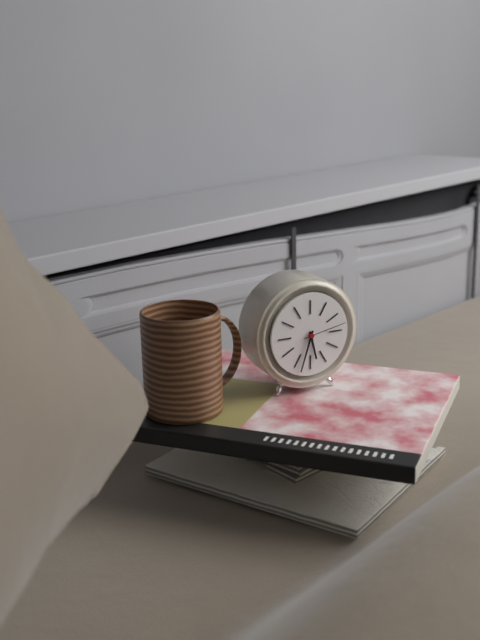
5:33
